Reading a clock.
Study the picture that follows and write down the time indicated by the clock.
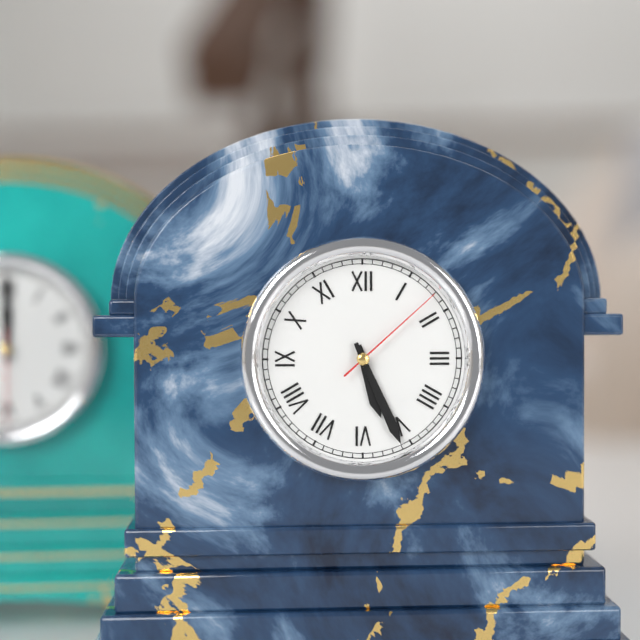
5:26:08
